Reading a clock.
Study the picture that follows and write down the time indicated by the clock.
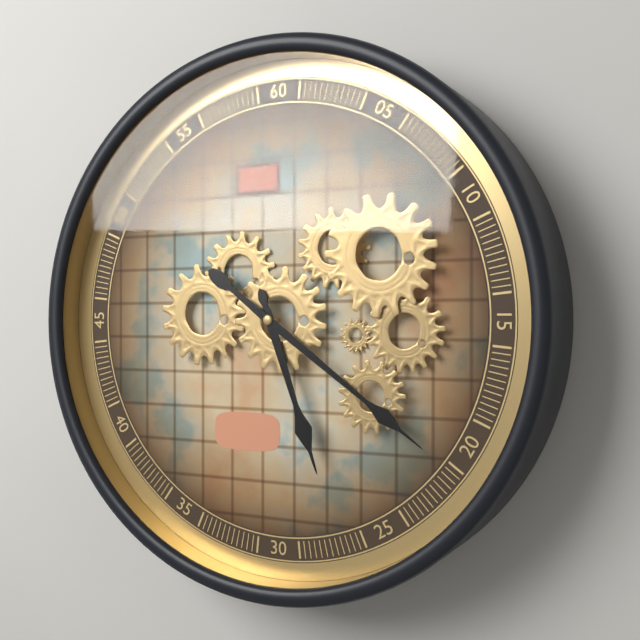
5:21
